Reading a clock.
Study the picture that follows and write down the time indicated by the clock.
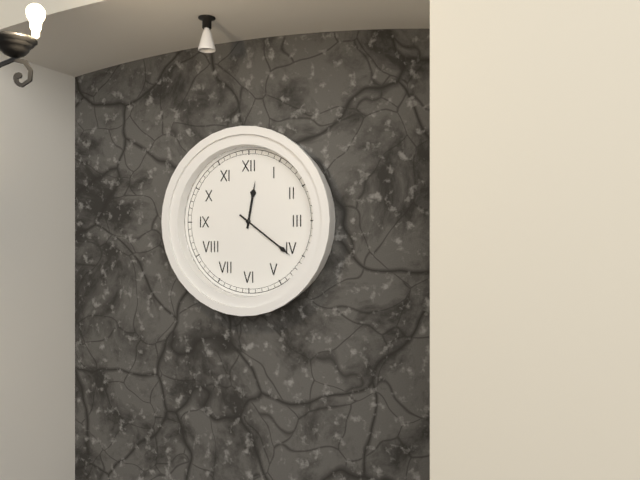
12:21
